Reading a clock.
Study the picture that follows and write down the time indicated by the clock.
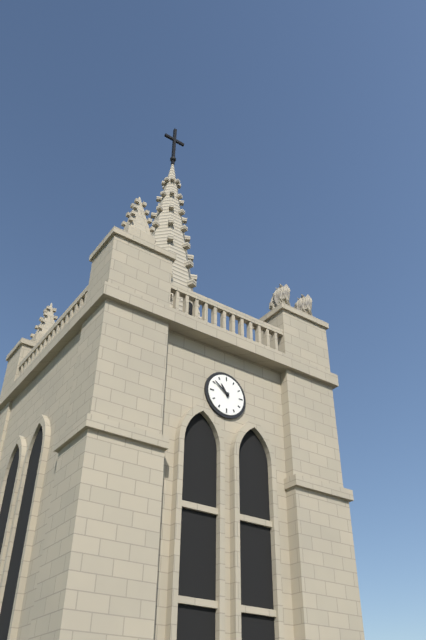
10:51
